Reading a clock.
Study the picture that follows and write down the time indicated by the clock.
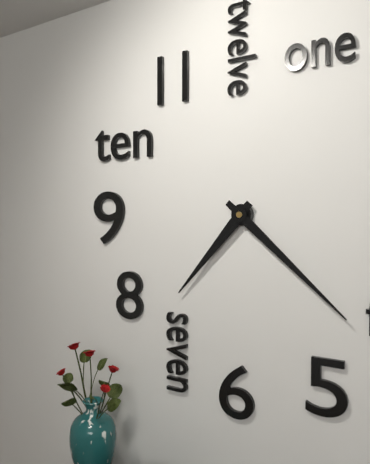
7:22
